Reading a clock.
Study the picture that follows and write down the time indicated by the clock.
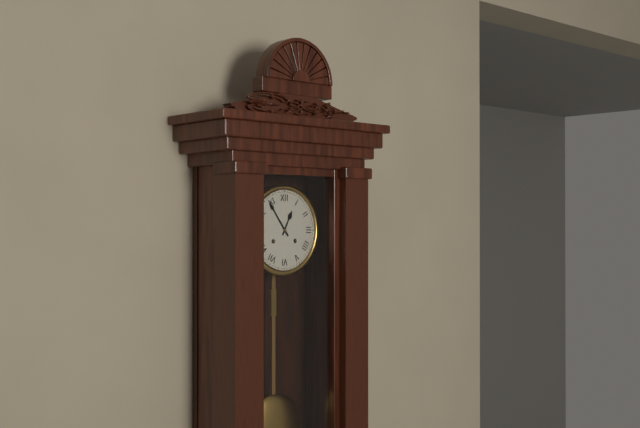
12:54
